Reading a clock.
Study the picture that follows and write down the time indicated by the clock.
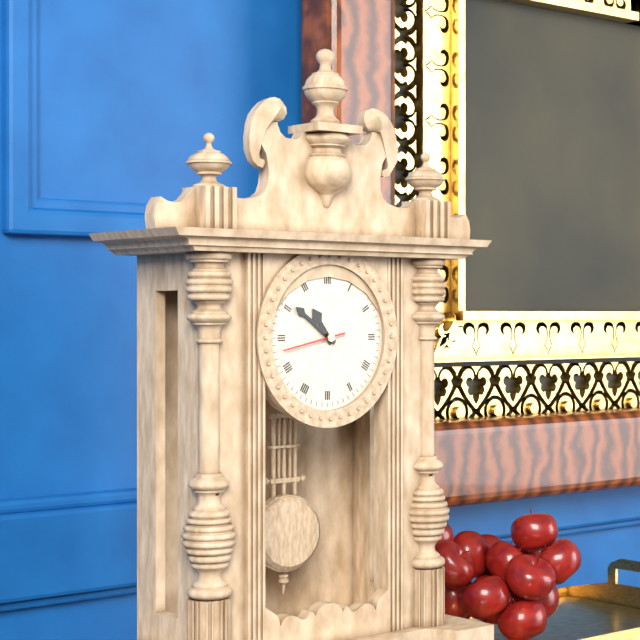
10:51:43
